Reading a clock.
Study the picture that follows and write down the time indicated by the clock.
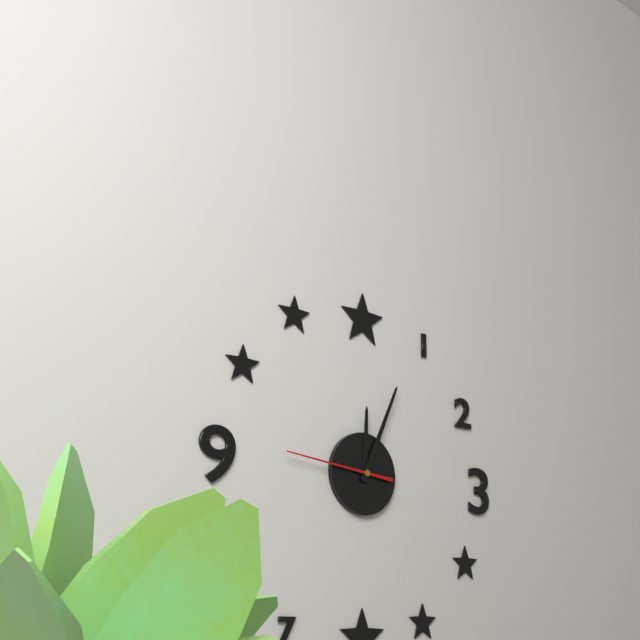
12:04:46
